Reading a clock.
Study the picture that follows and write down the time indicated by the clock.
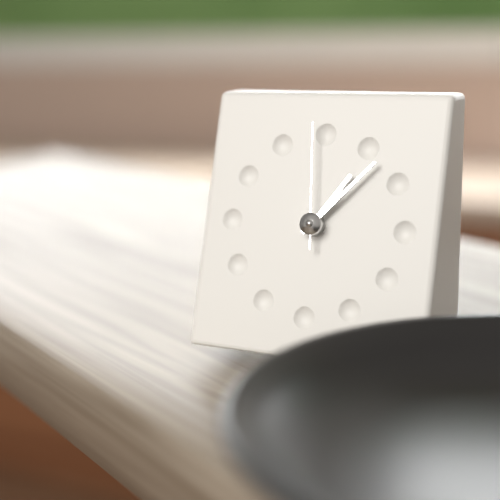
1:07:59
